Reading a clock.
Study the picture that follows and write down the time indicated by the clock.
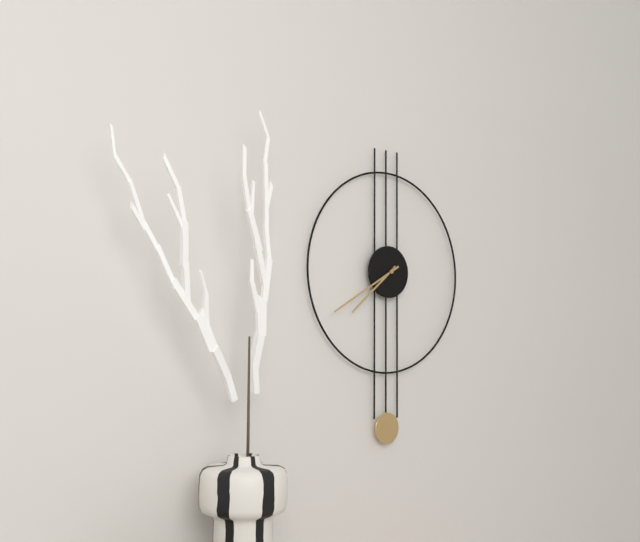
7:40
